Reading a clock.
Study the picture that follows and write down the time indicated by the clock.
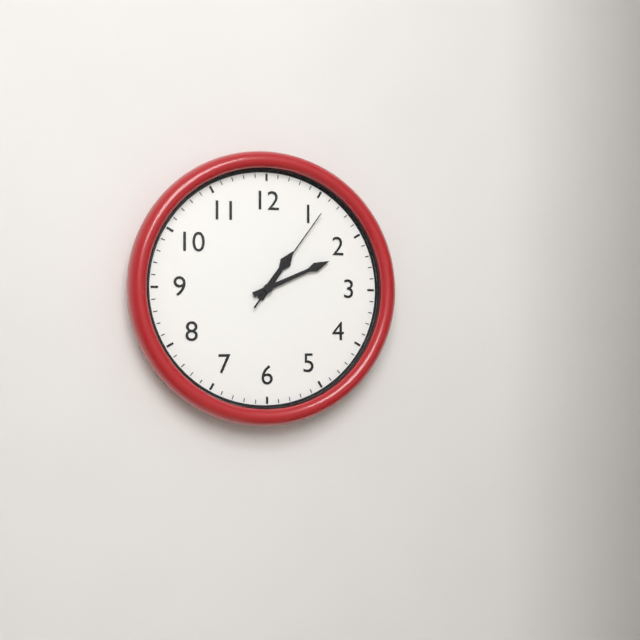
1:11:06
